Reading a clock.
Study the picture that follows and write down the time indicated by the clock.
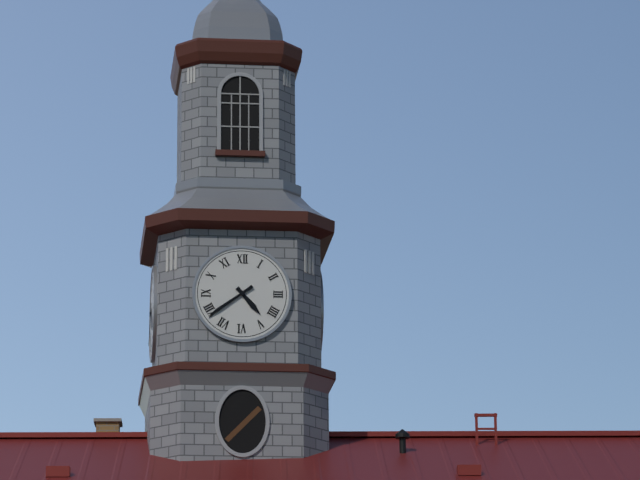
4:39
